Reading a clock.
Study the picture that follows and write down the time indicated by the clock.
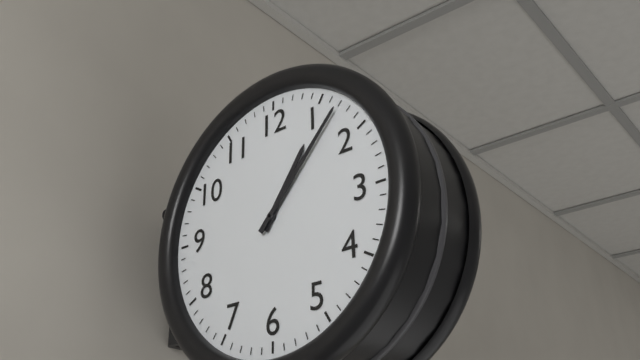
1:07
